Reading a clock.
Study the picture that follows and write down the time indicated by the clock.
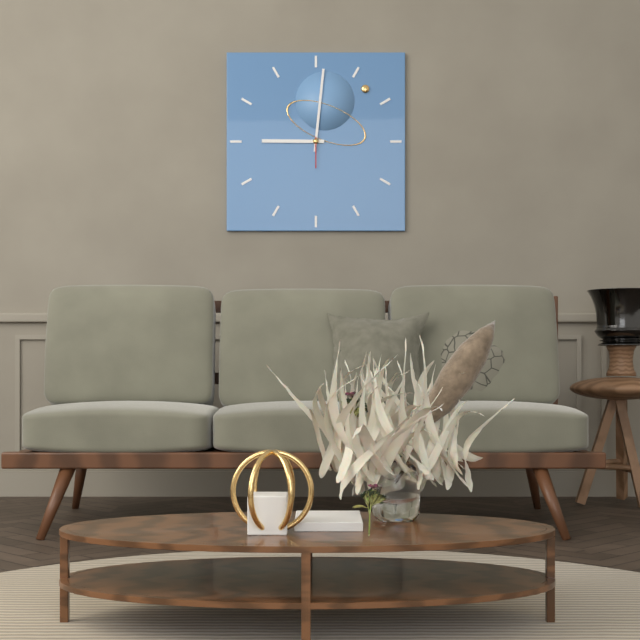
9:01
